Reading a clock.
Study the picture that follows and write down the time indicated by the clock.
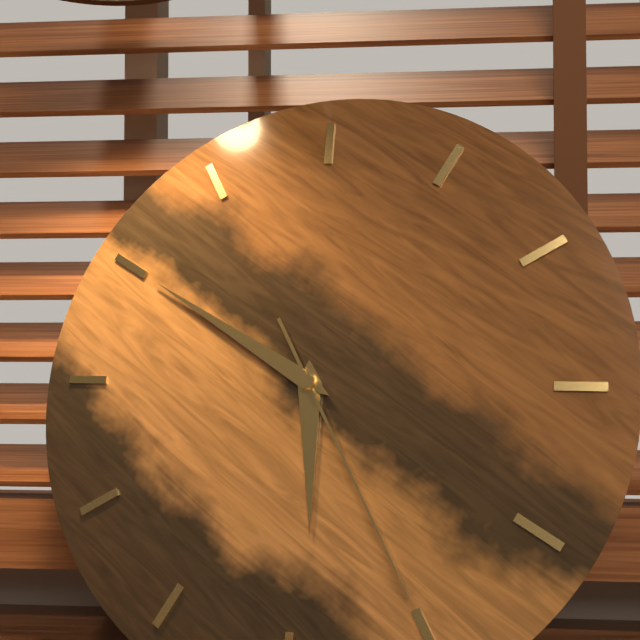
5:50:25
